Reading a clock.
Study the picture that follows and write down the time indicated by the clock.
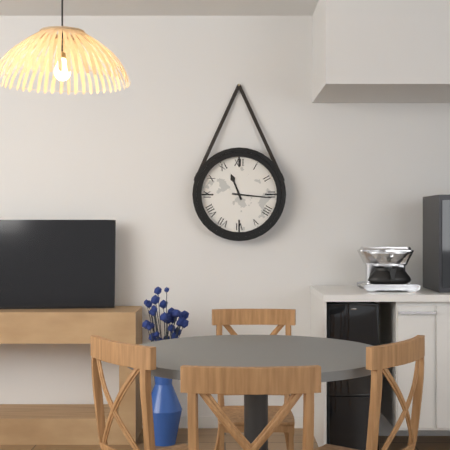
11:16
